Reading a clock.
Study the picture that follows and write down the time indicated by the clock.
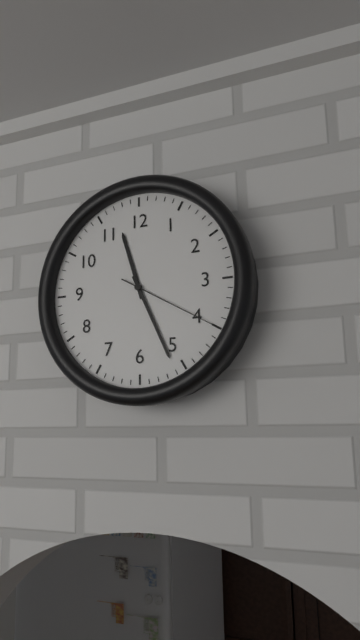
11:26:20
